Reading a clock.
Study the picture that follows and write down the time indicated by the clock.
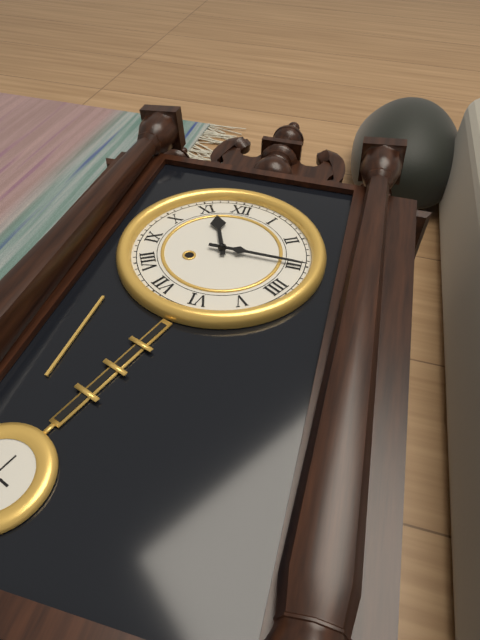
11:15
